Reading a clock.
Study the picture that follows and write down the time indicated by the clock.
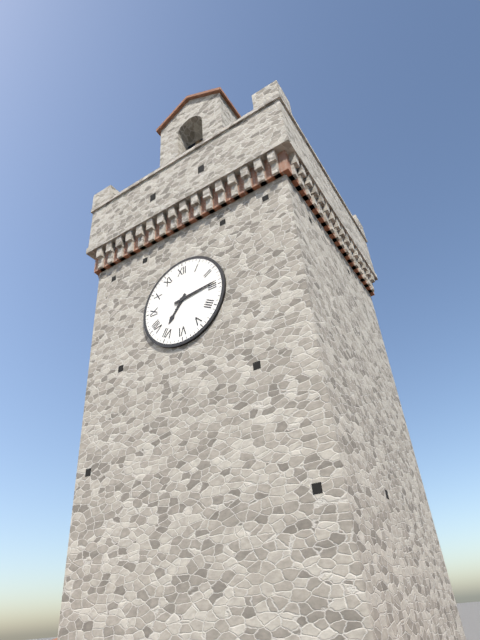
7:14
